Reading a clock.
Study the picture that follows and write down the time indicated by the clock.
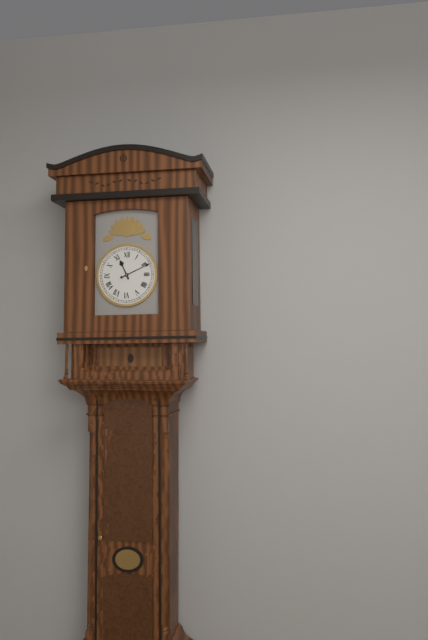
11:11
